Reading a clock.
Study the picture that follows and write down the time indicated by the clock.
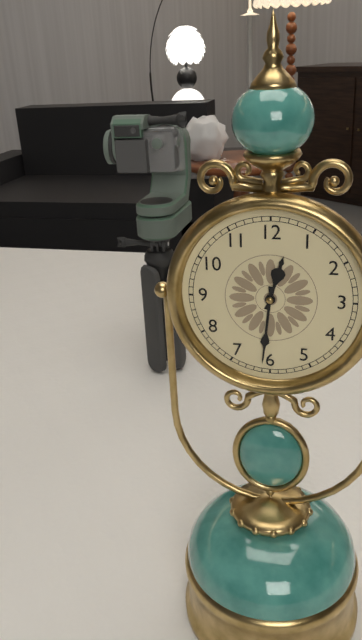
12:31
